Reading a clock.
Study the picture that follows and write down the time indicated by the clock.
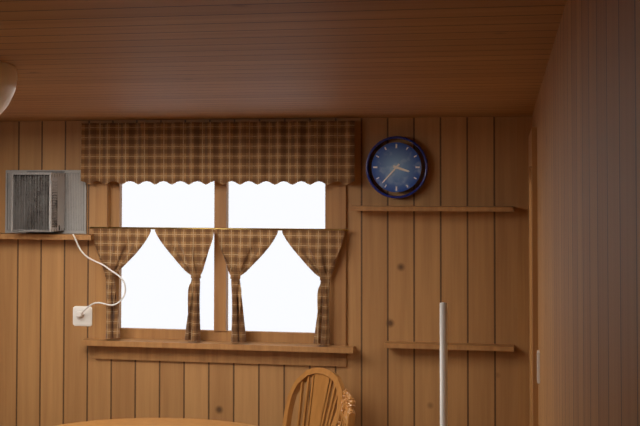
3:37
